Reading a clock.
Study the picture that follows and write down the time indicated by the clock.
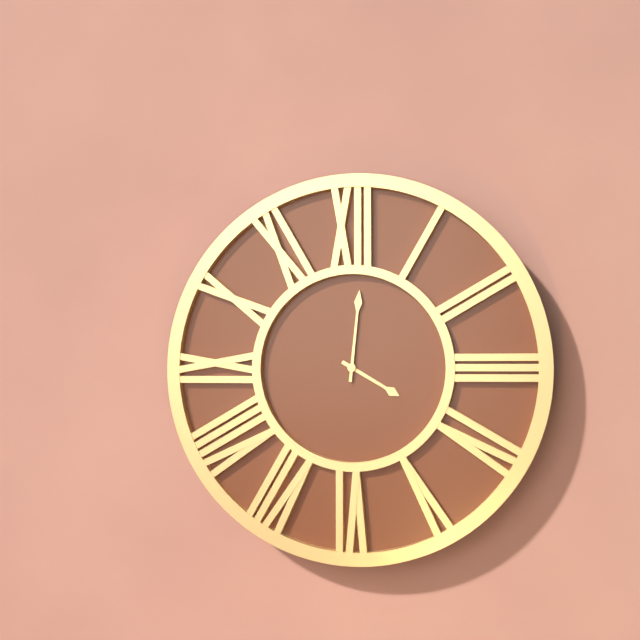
4:01
